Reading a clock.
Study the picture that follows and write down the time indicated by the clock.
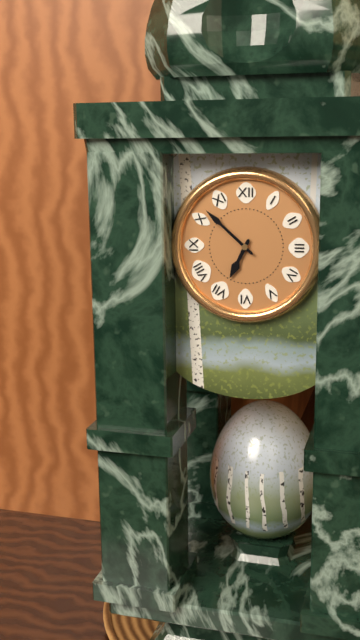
6:52
